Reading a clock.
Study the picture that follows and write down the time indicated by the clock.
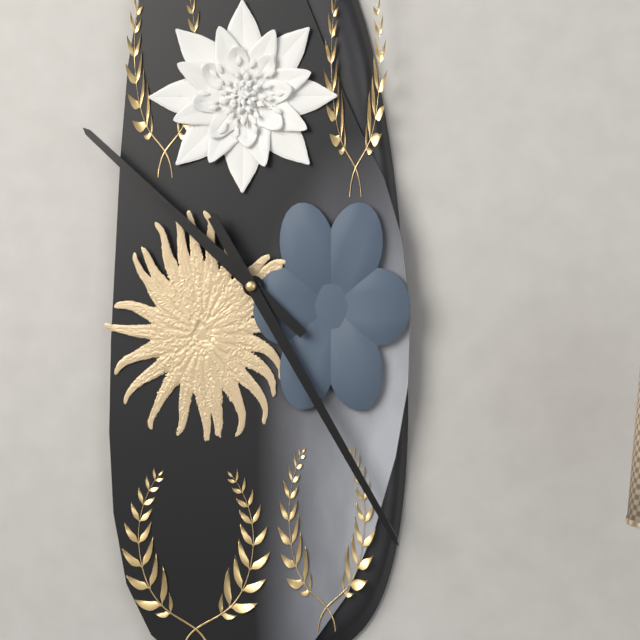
10:25
